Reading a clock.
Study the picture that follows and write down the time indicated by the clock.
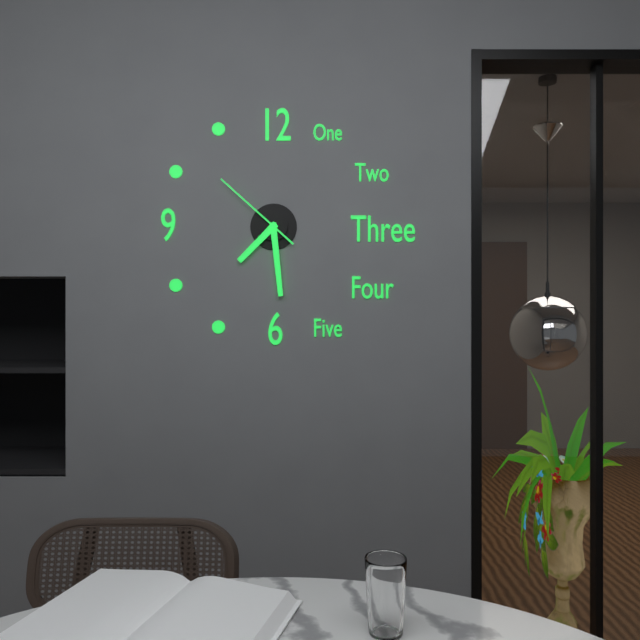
7:29:52
